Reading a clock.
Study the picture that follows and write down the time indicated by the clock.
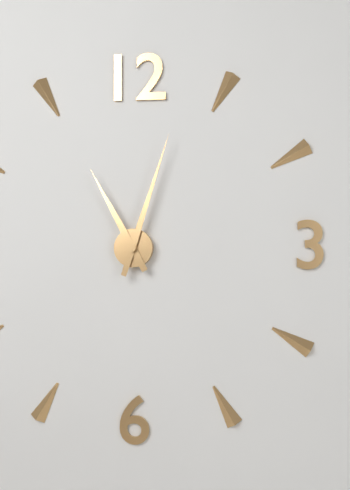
11:03
